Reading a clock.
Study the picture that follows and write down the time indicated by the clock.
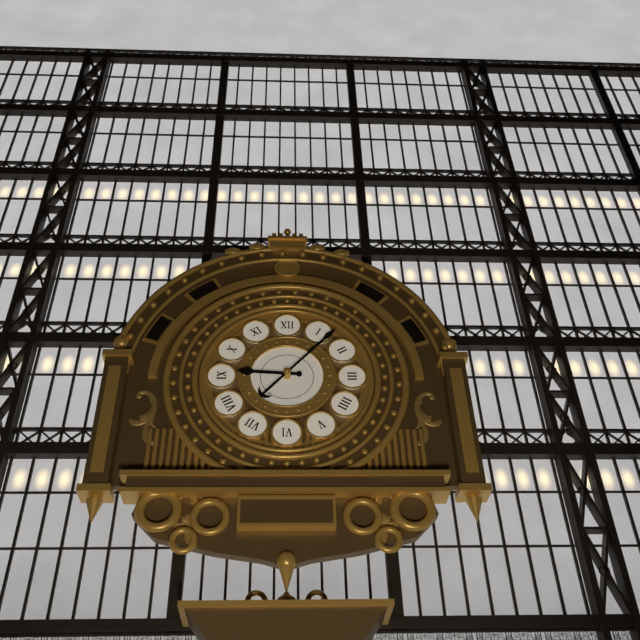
9:07
